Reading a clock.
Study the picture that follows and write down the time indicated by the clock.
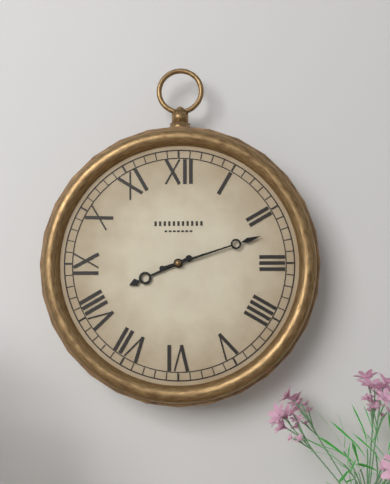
8:12
